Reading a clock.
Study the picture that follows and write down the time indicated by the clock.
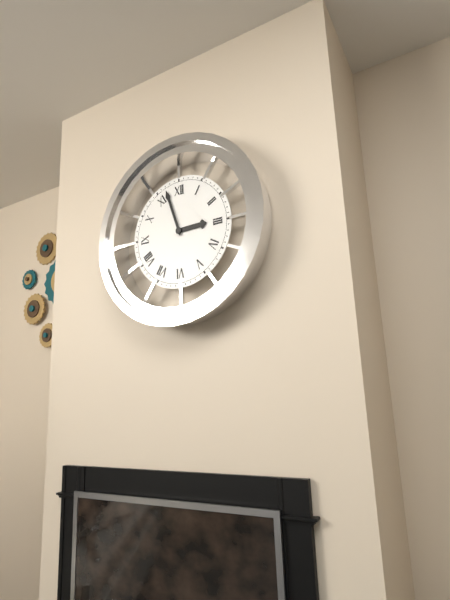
2:57
